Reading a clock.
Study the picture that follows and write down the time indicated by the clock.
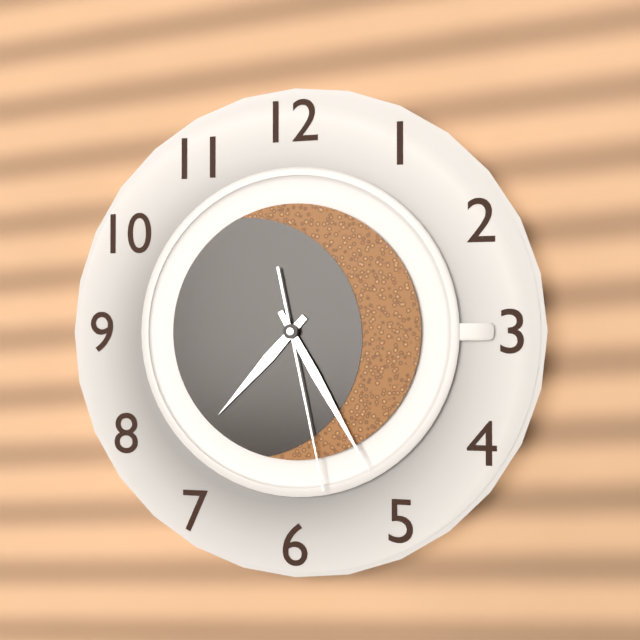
7:25:28
